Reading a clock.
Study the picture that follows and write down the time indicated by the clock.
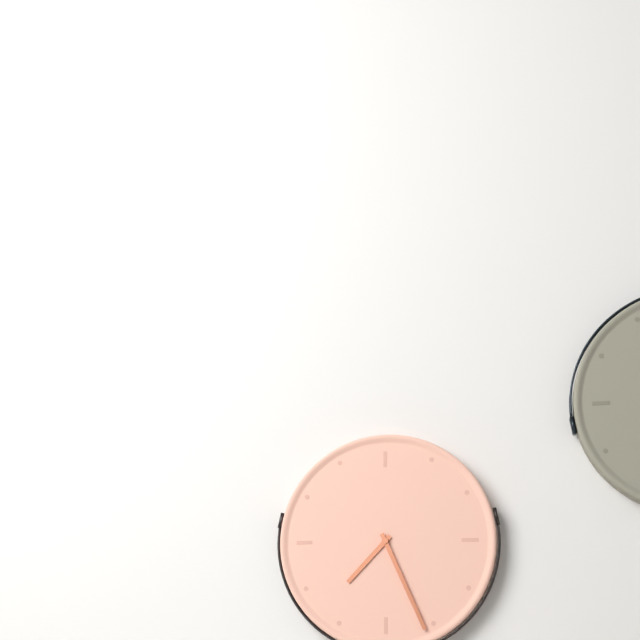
7:26
